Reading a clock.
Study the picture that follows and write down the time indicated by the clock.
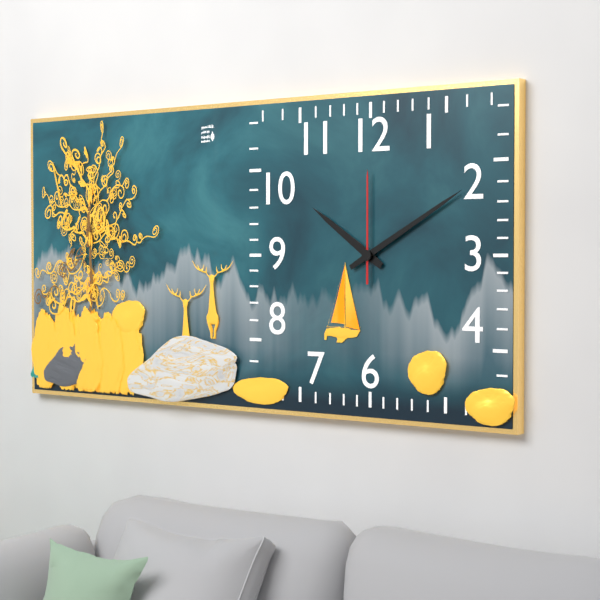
10:10:00
